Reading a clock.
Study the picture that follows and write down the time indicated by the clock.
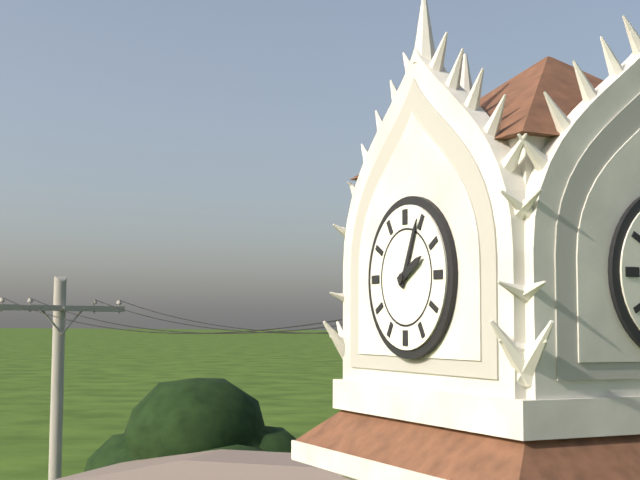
2:04
